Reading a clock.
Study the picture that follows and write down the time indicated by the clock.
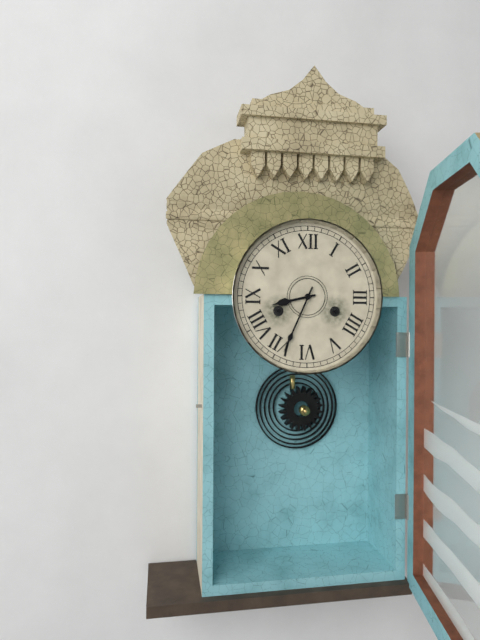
8:34
